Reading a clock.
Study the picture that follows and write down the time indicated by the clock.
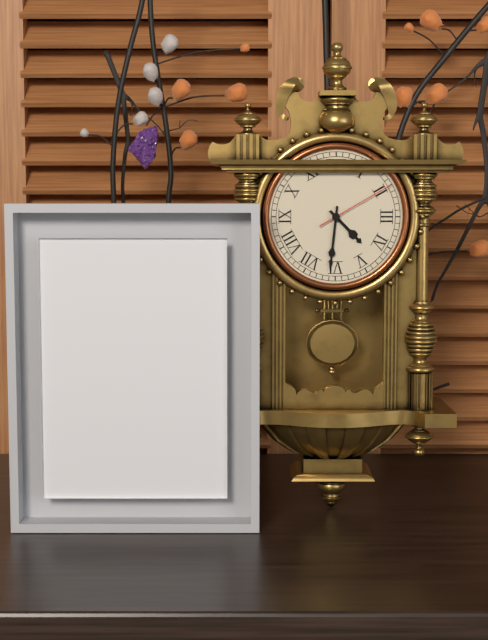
4:31:10
